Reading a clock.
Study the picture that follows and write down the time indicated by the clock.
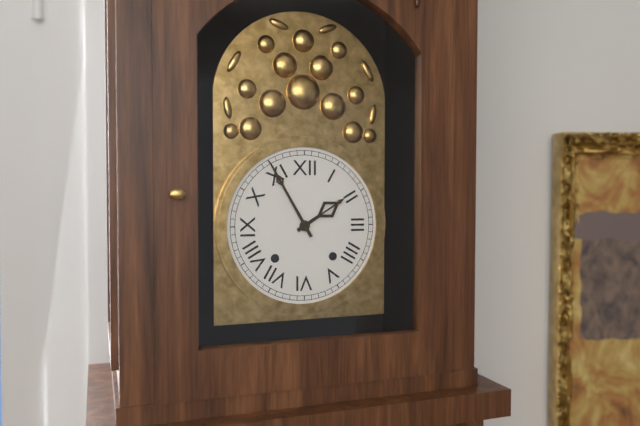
1:55
